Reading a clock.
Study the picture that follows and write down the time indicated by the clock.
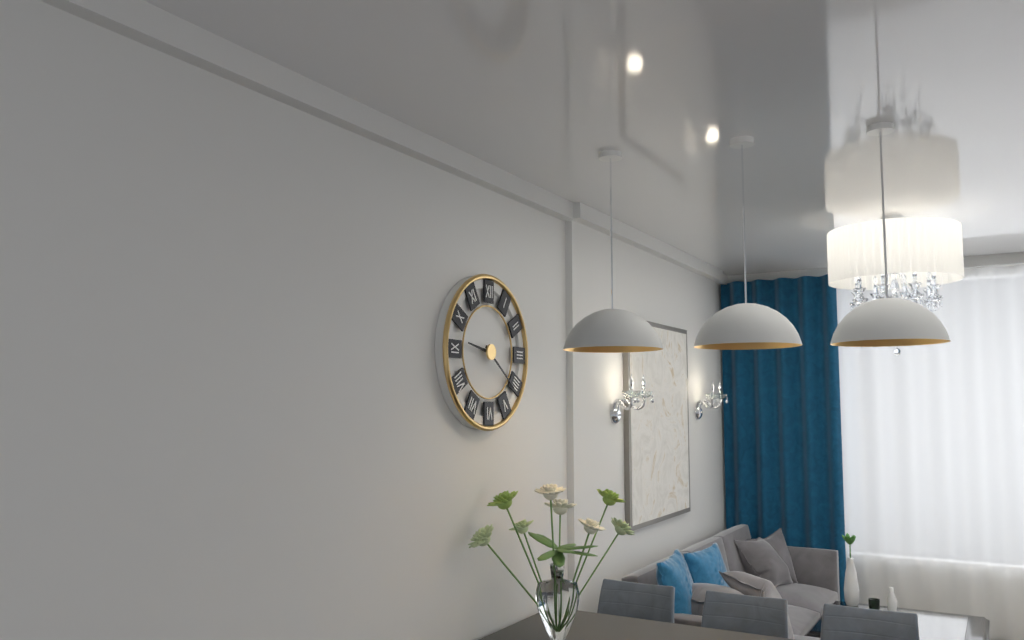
9:21
